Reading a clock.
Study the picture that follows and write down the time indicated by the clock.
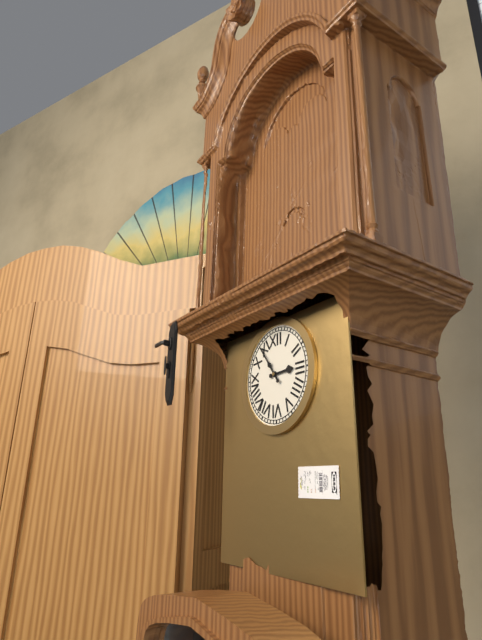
2:54
